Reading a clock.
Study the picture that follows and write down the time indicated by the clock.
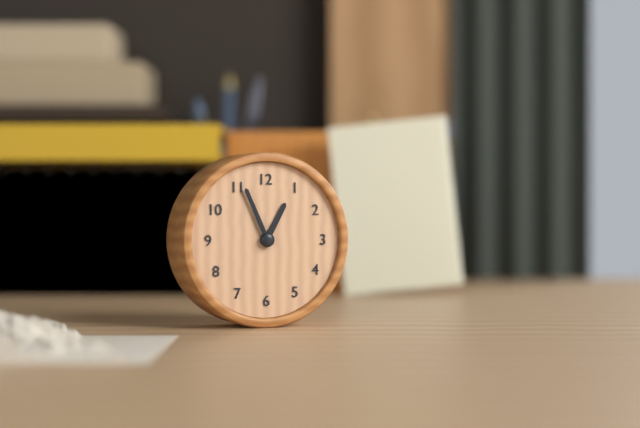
12:56
